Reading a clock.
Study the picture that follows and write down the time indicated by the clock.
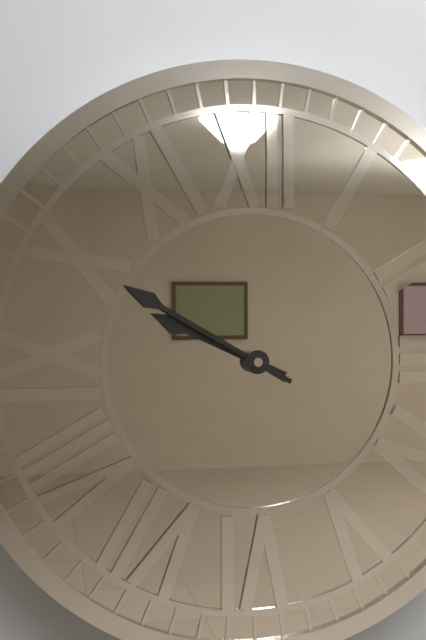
9:50
